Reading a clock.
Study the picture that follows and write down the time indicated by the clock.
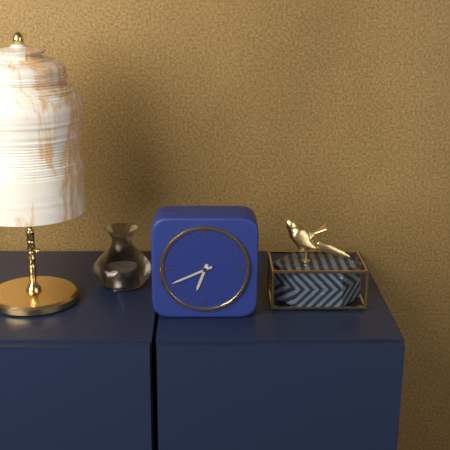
6:41
